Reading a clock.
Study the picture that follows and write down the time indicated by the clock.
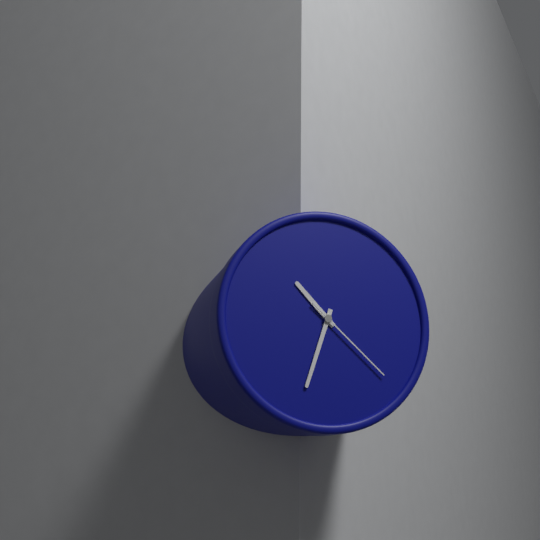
10:33:22
